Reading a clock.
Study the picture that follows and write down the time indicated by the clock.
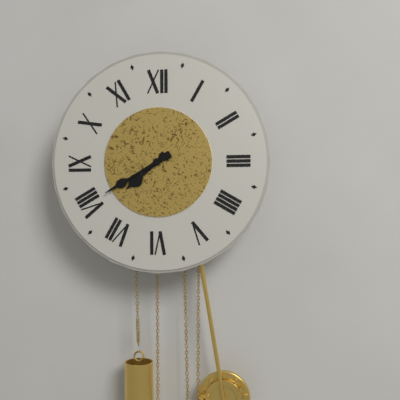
7:40
